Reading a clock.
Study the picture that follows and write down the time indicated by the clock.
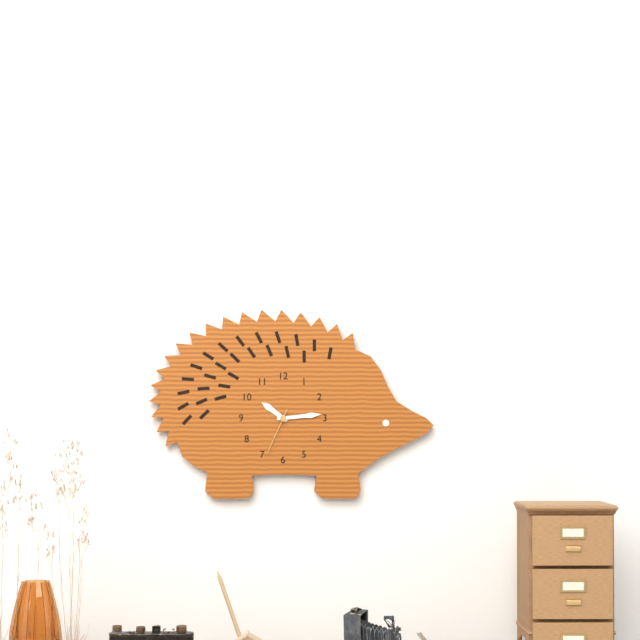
10:14:34
